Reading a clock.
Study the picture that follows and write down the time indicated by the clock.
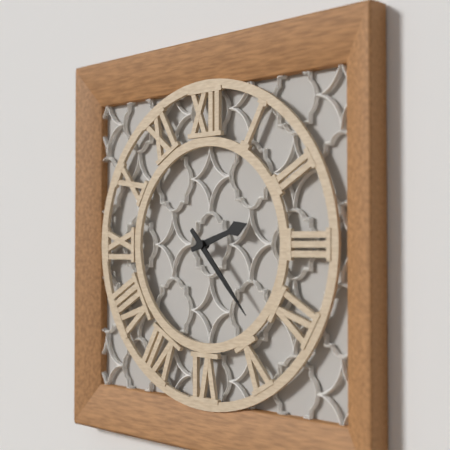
2:23
